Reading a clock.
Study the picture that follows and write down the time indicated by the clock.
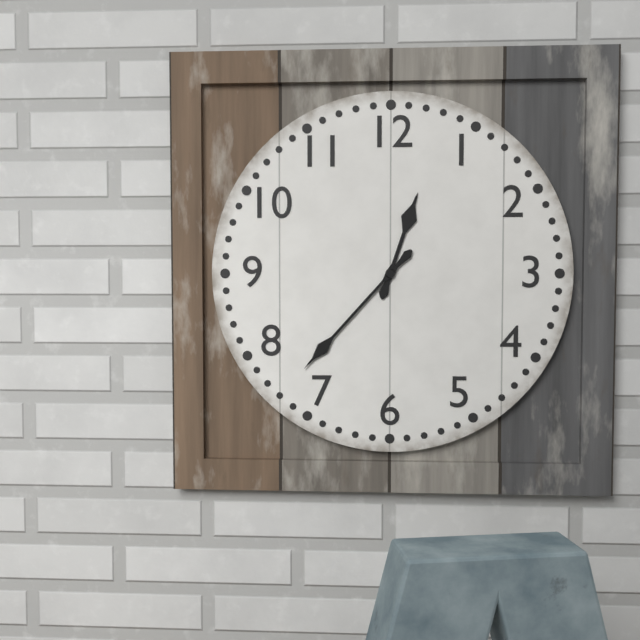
12:37
